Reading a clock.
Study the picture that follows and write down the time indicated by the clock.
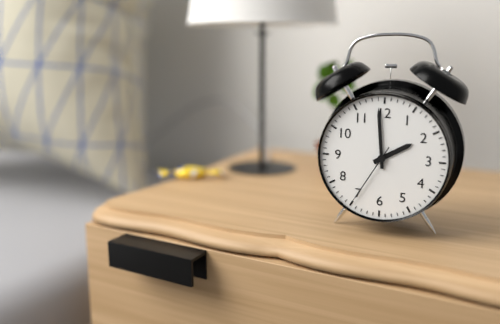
1:59:35
